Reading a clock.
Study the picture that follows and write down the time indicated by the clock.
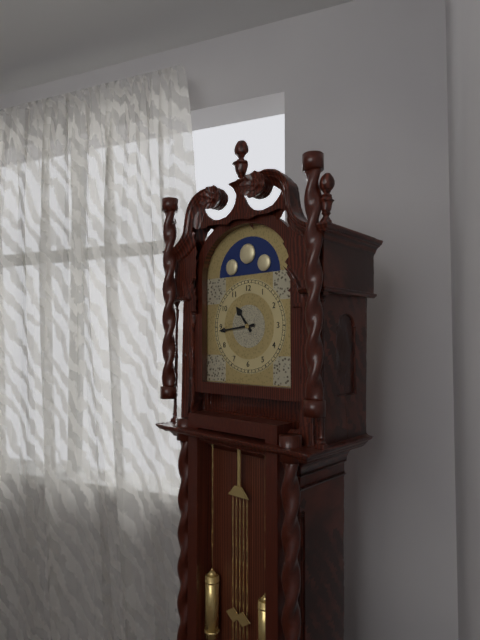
10:44
